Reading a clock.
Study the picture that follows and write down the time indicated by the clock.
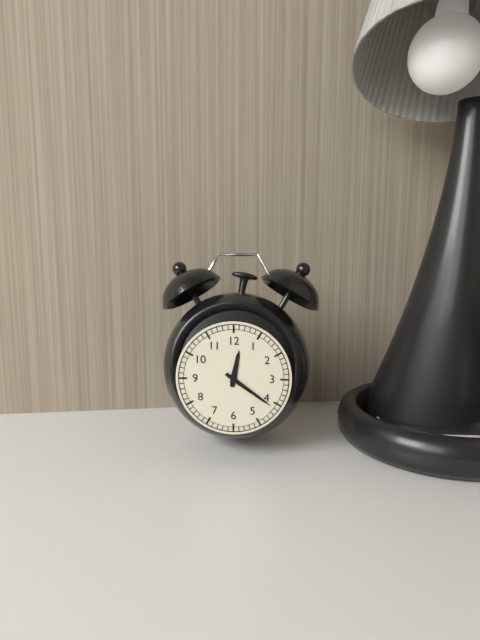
12:21
